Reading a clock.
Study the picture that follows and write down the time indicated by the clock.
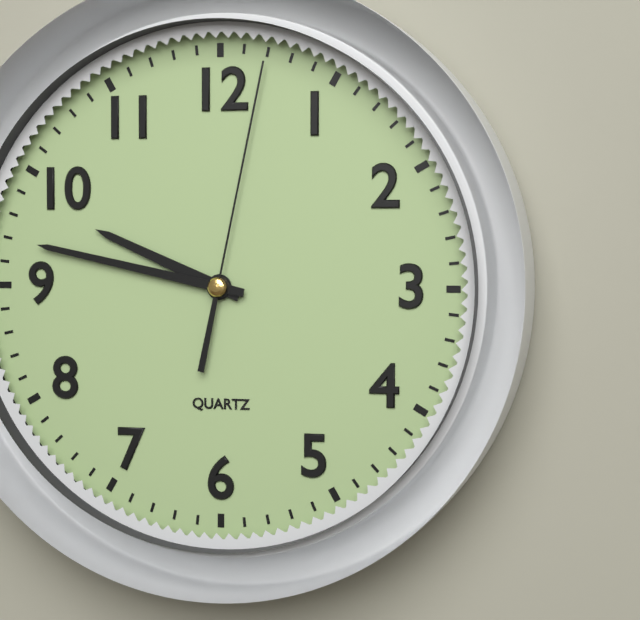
9:47:02
